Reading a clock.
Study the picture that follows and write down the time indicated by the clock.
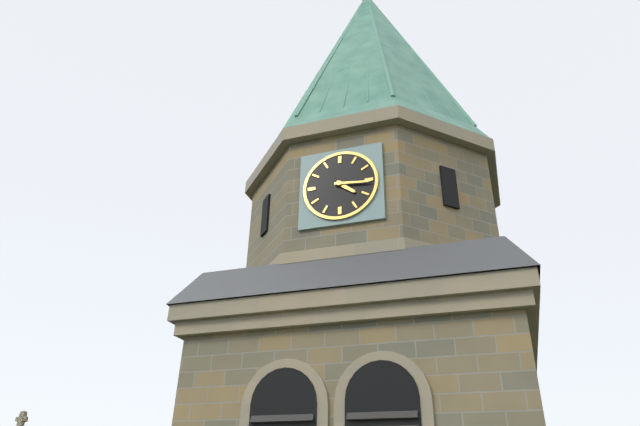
4:16
